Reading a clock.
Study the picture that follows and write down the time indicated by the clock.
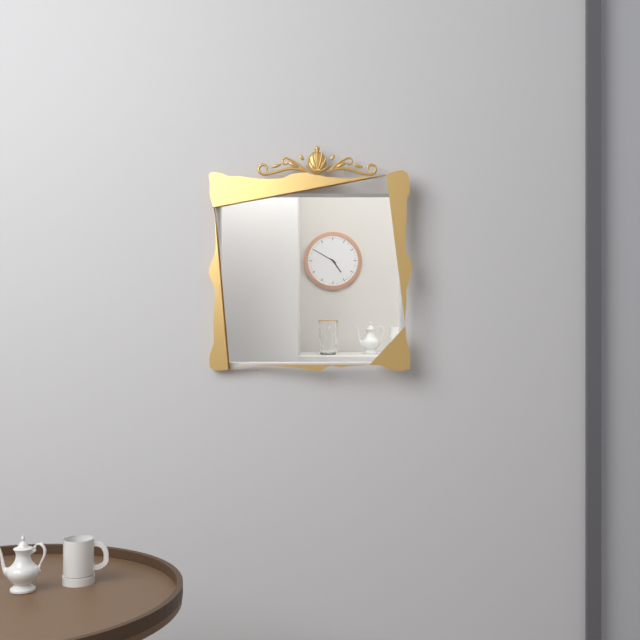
4:50
